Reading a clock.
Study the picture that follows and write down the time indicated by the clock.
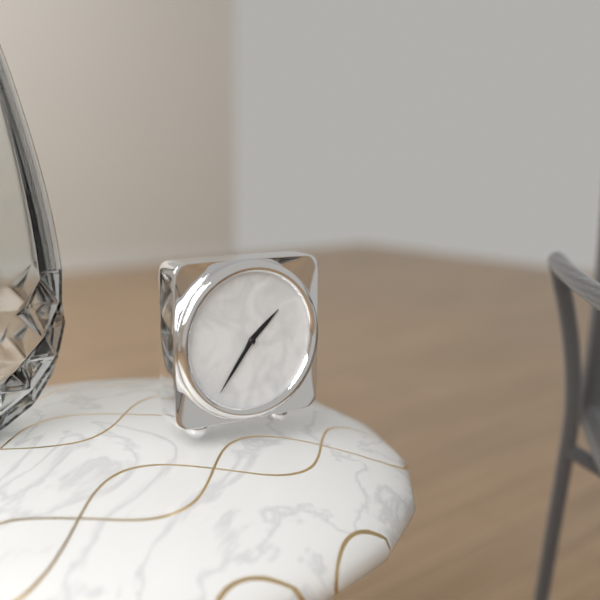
1:36
